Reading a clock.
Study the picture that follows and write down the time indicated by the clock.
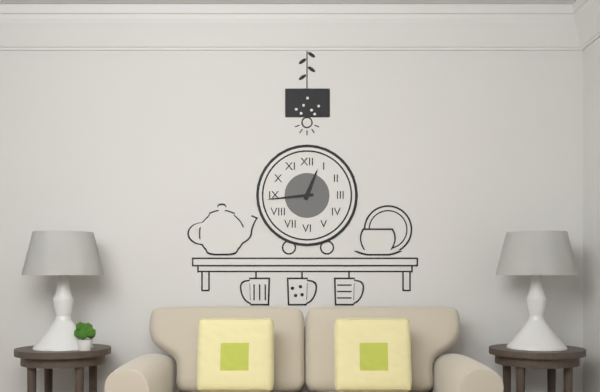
12:44
